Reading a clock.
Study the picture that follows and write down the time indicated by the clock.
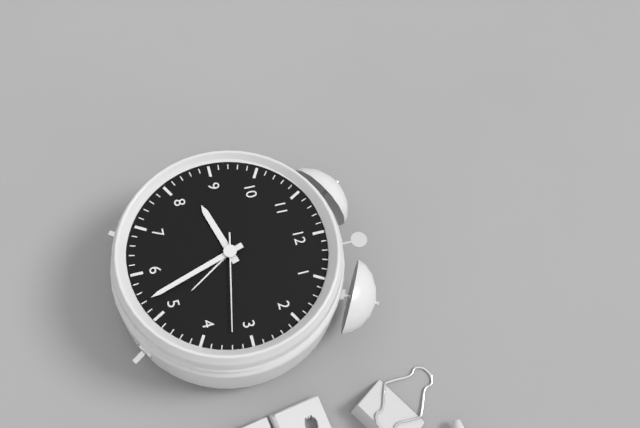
8:27:17
